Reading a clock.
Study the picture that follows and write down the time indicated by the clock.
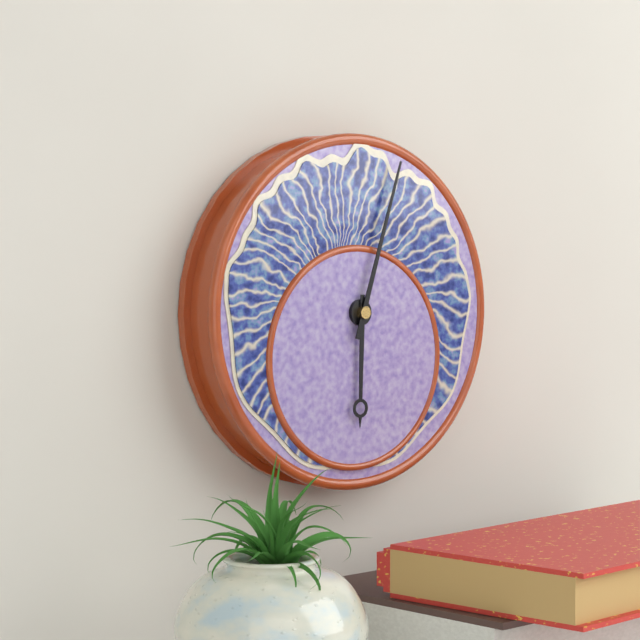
6:03
